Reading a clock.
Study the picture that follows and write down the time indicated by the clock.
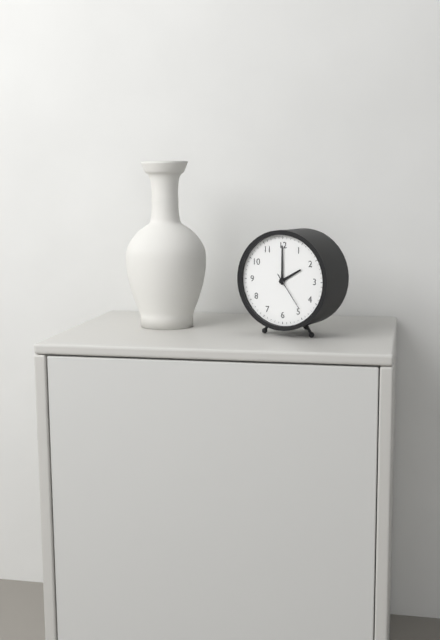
2:00
